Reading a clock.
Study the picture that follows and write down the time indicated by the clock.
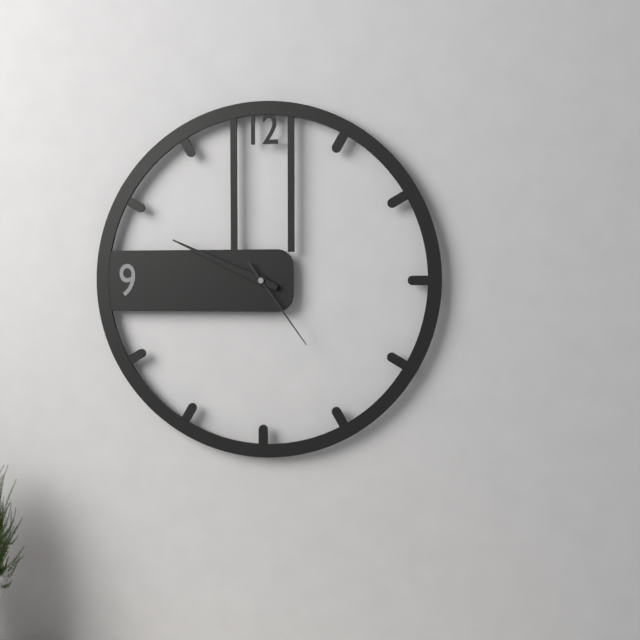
9:49:24
